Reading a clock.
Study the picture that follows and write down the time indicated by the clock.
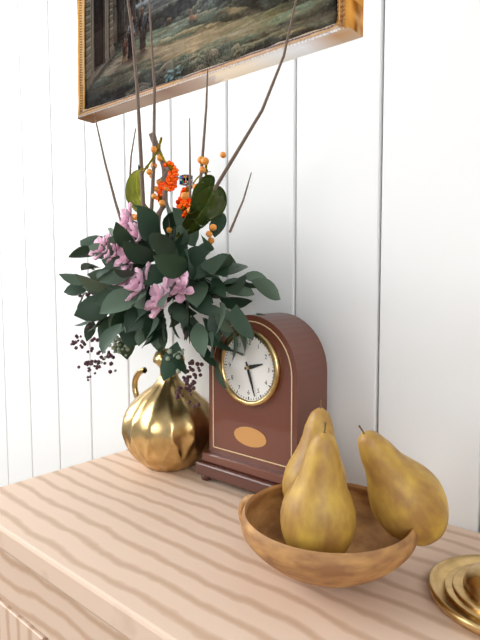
2:27
